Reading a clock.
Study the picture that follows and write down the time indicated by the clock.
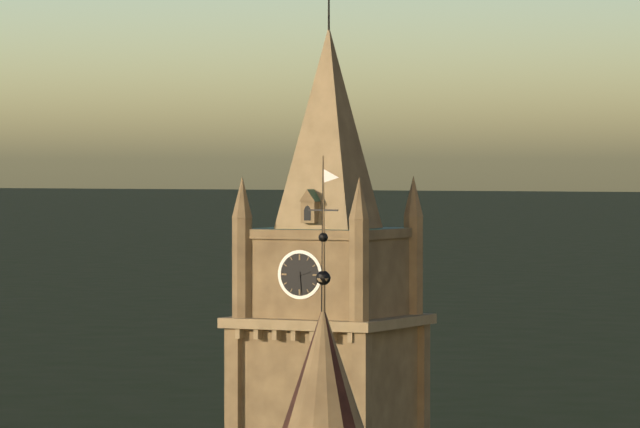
2:29
